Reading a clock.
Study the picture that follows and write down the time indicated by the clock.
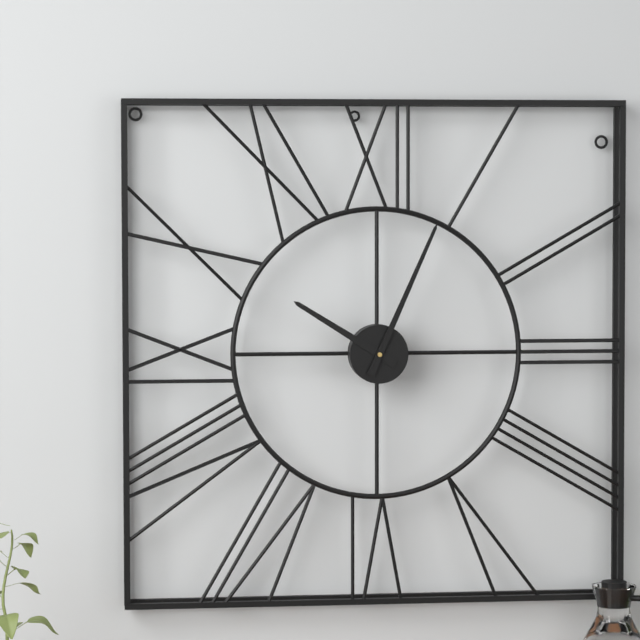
10:04
